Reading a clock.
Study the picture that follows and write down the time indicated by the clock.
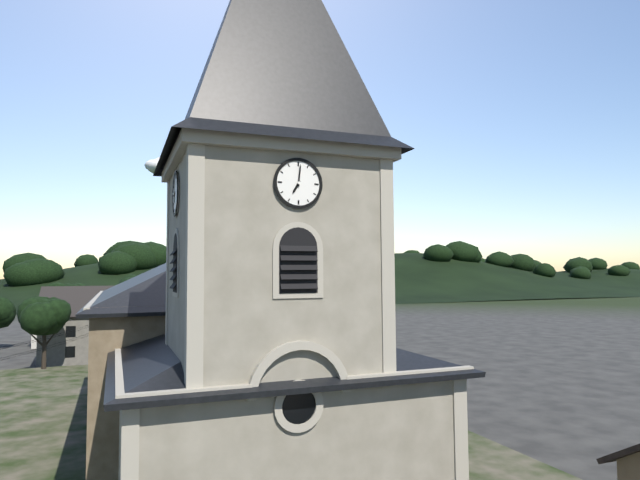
7:01
